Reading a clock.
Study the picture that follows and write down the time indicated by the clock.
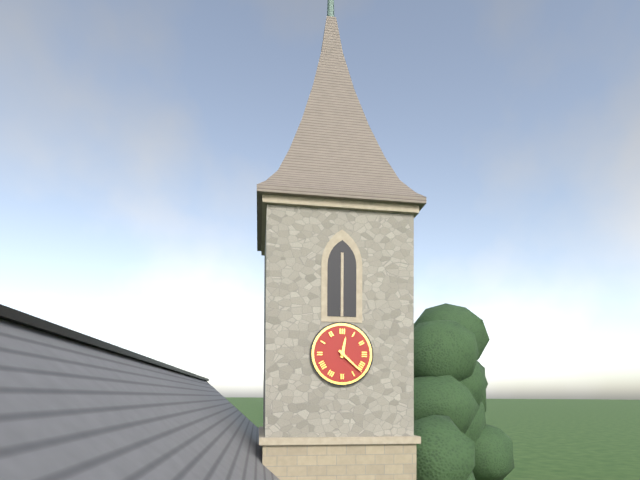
12:22
